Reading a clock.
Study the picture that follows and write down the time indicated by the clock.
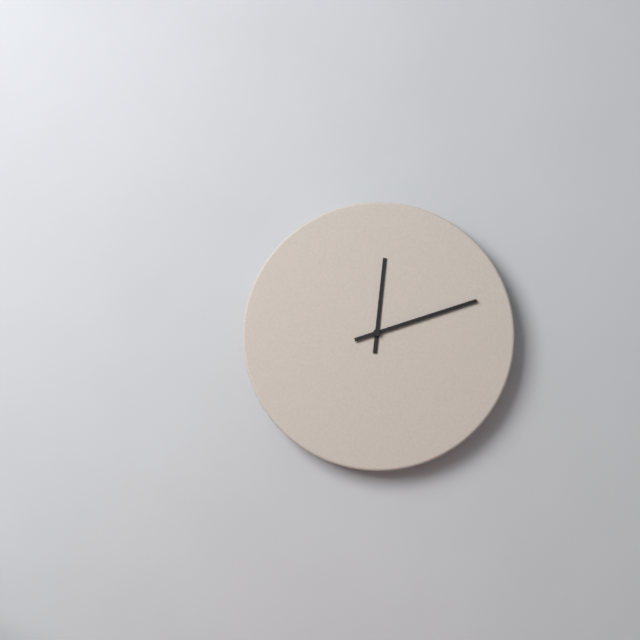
12:12
